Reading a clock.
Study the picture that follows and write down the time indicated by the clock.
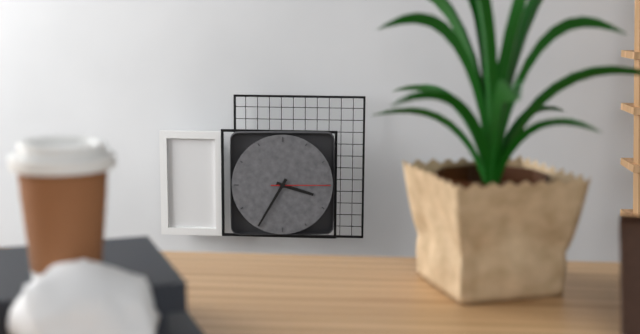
3:35:15
